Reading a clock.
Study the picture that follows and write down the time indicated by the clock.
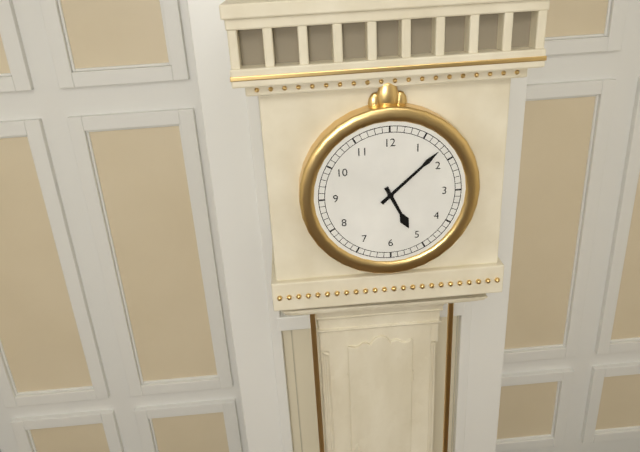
5:08
